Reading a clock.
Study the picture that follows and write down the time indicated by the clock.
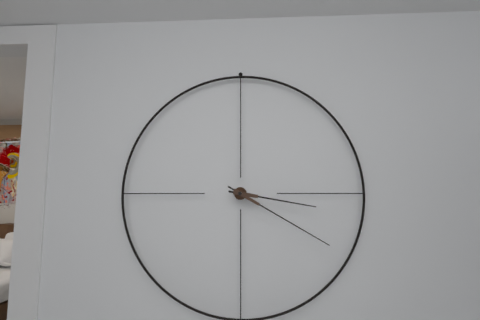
3:20
